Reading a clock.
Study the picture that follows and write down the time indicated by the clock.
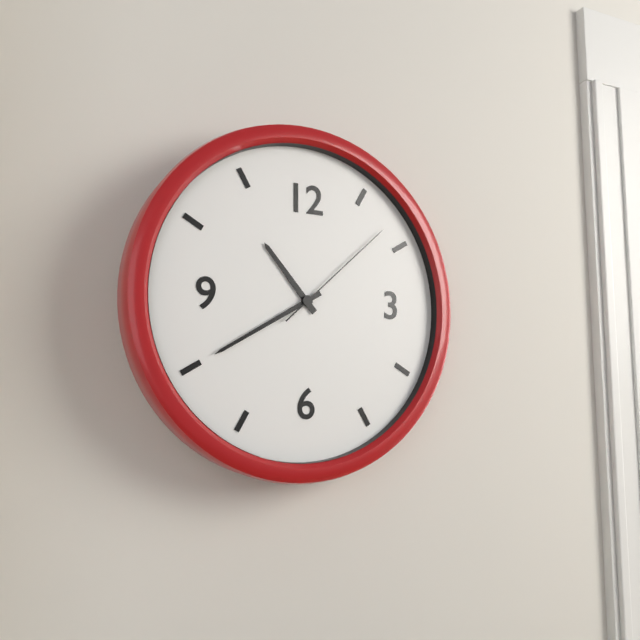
10:40:08
